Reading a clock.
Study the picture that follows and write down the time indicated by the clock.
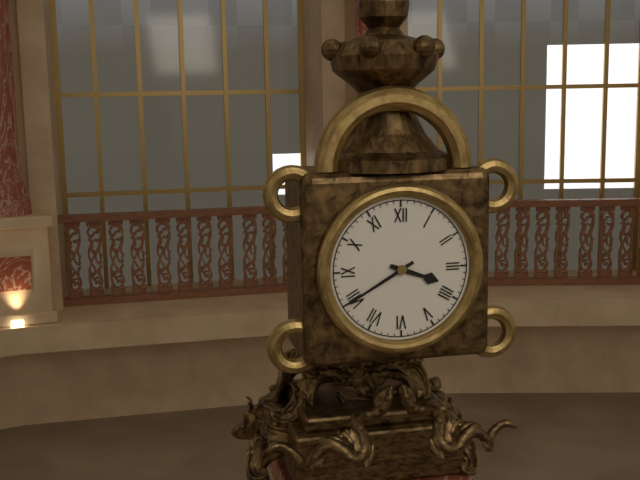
3:40
